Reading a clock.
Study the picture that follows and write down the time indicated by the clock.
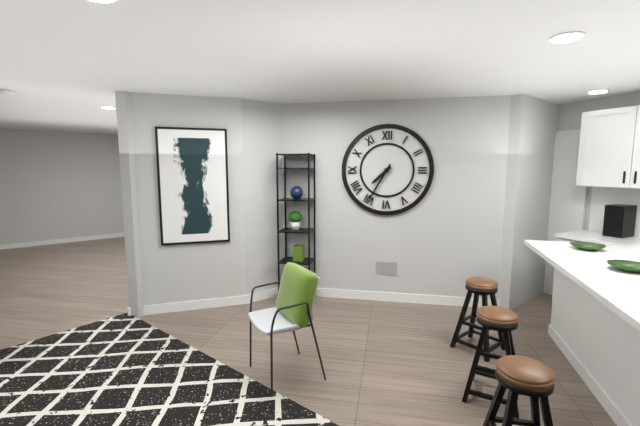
7:35
